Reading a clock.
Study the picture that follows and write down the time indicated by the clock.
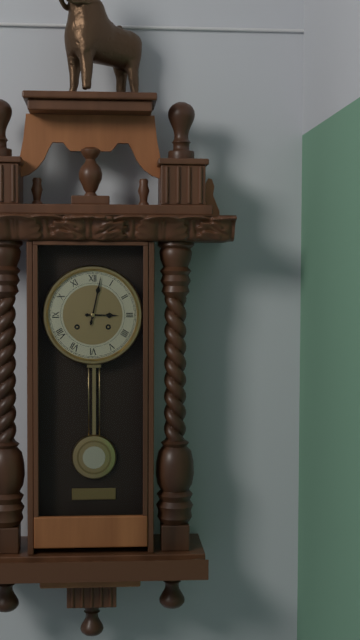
3:02
